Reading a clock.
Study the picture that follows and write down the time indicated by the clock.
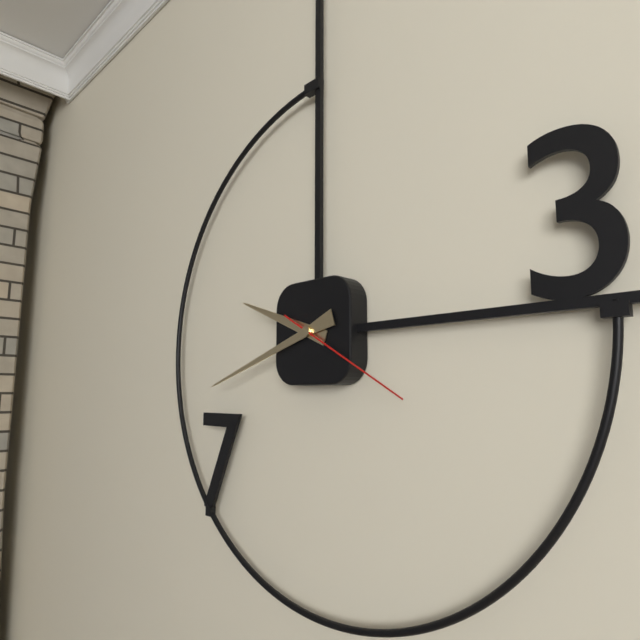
9:42:20
